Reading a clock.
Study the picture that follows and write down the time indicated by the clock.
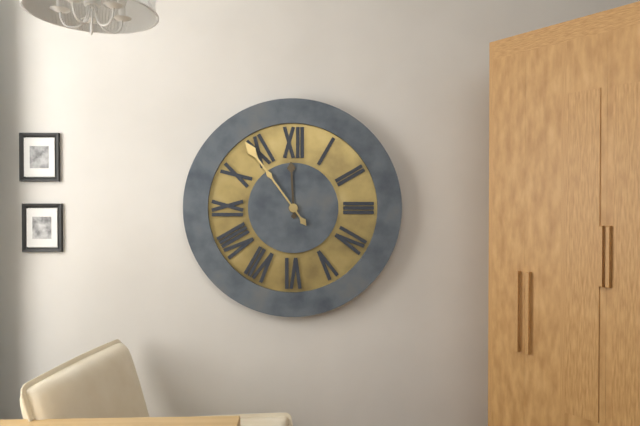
11:54
